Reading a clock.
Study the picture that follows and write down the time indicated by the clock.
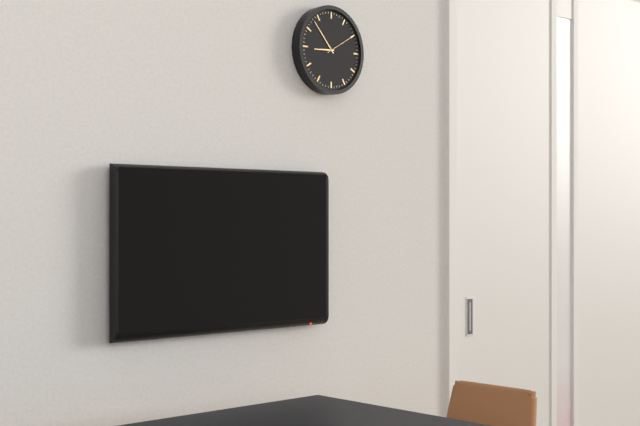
8:53
